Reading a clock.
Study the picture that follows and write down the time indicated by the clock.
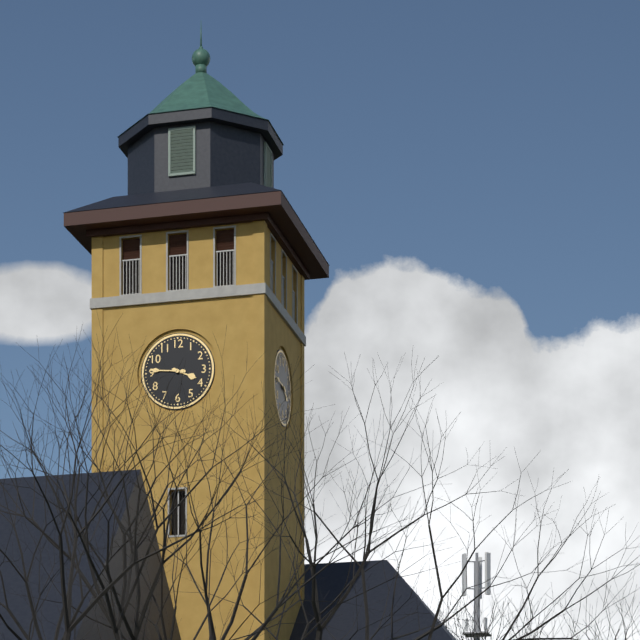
3:46
